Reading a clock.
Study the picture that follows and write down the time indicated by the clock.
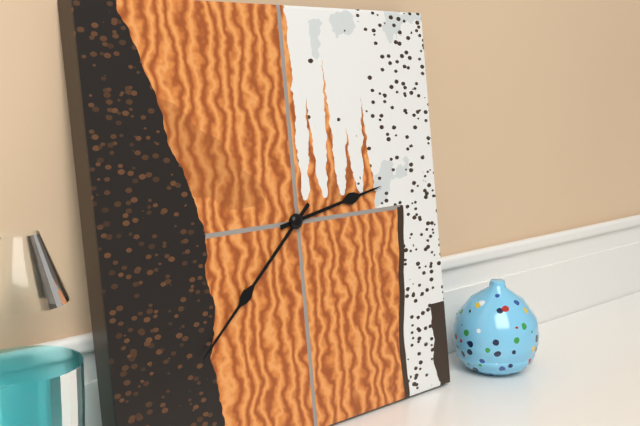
2:38
